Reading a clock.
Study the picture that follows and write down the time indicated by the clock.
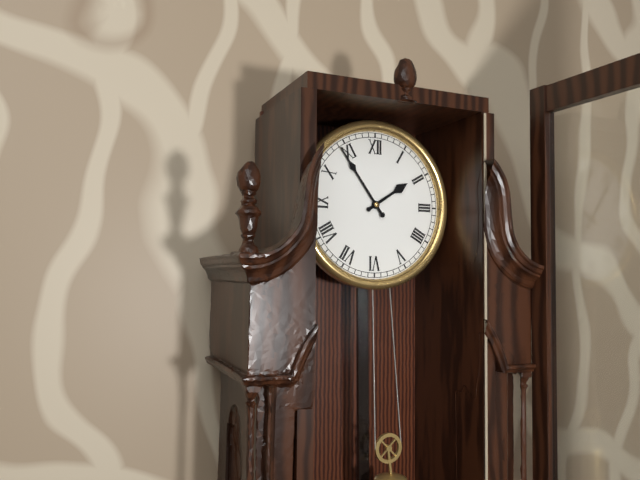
1:54
